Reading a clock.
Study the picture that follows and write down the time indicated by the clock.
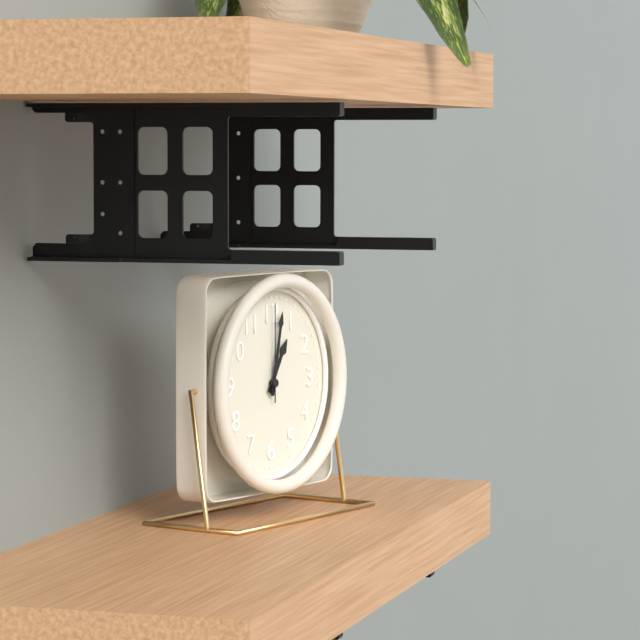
1:02:00
